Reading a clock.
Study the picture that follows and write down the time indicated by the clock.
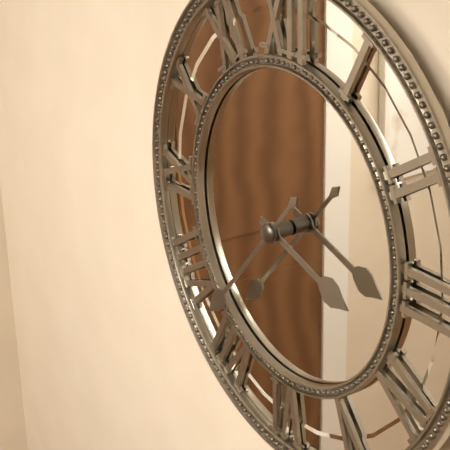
3:37
